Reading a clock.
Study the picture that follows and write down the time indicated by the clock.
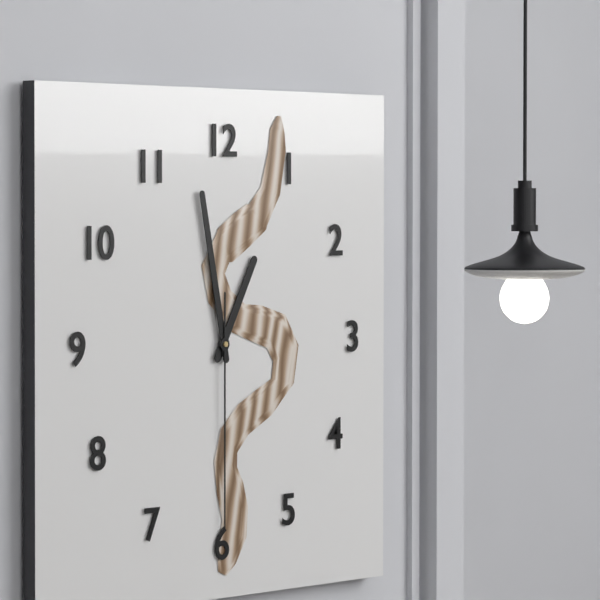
12:58:30
